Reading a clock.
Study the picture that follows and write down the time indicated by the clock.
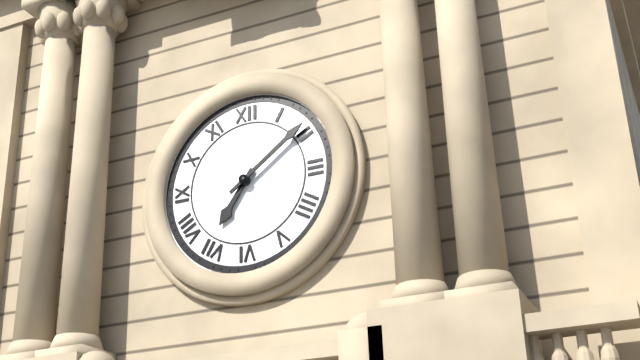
7:09
